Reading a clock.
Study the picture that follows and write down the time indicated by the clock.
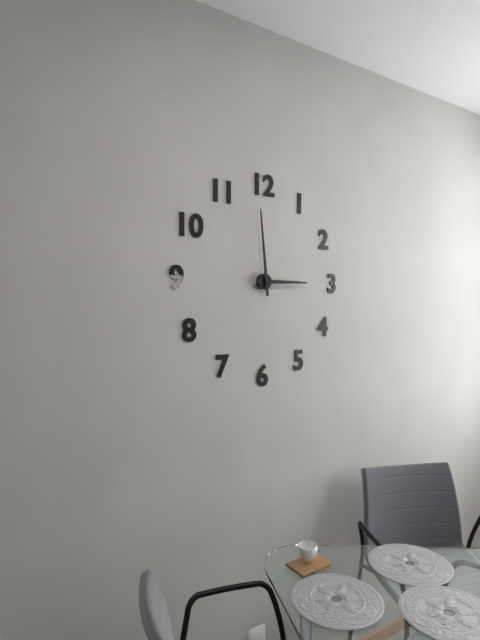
2:59
